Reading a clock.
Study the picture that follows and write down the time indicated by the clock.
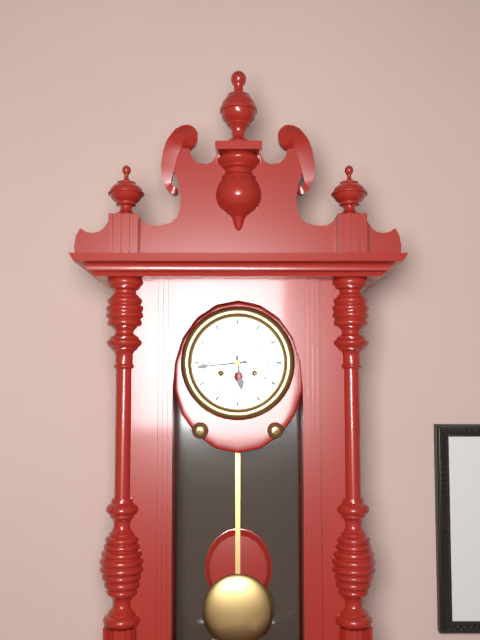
5:44
